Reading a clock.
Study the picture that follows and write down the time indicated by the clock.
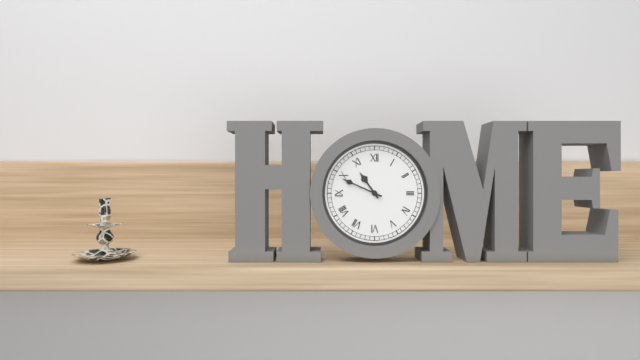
10:49
